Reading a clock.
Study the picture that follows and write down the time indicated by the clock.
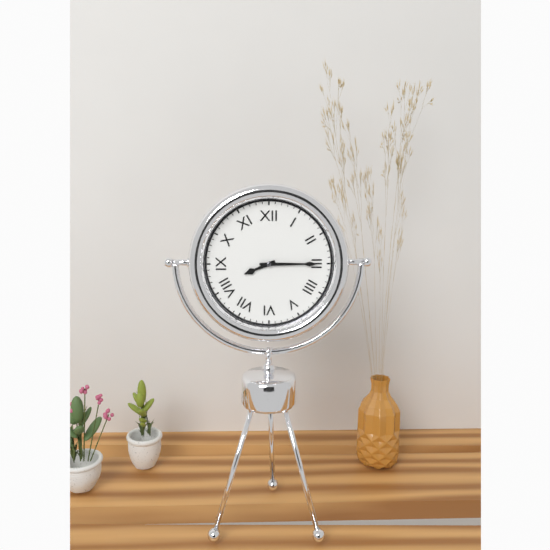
8:15
